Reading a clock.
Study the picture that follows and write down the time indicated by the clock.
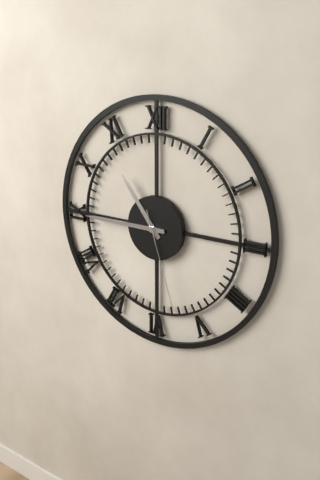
10:45:27
